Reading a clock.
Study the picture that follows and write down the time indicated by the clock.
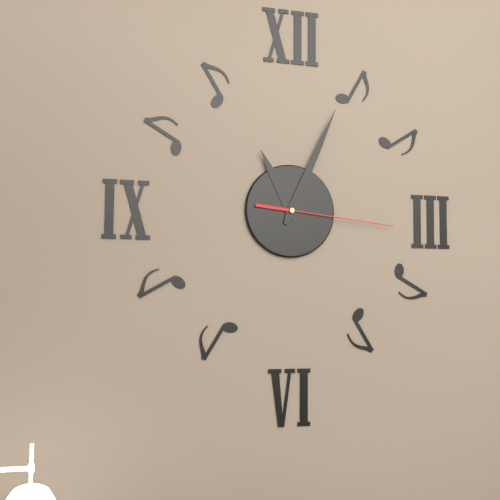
11:04:16
